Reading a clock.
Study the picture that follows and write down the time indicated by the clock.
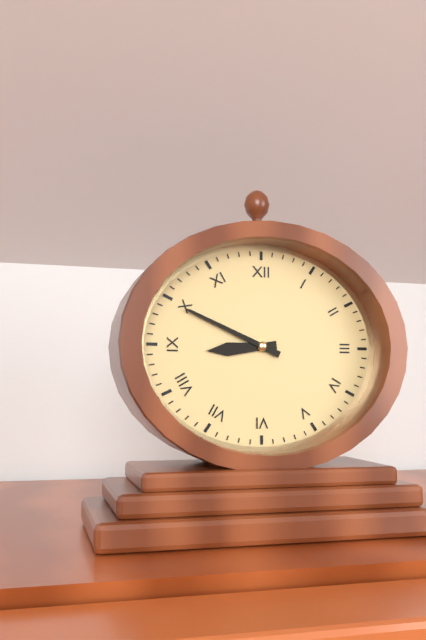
8:49
